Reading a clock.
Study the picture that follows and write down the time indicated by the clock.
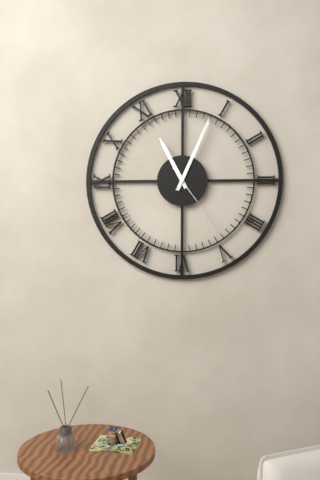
11:04:24
